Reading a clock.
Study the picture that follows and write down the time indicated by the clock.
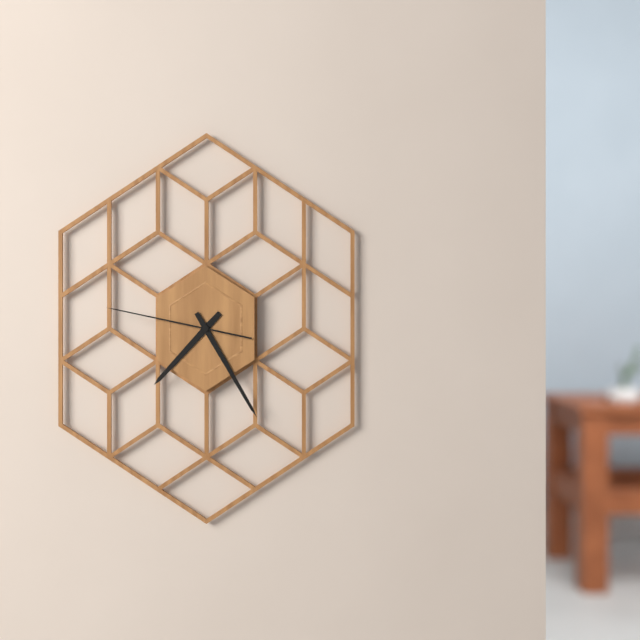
7:25:47
